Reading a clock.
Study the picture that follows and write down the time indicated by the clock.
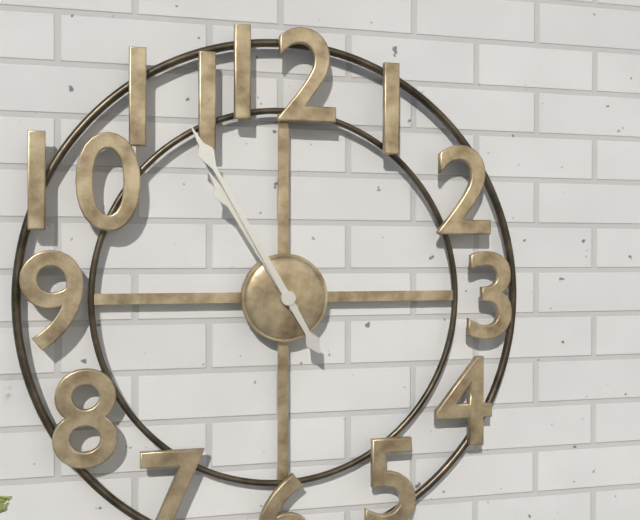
10:55
